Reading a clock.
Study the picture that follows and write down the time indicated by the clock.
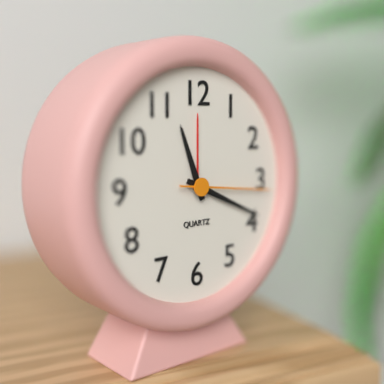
11:19:16
